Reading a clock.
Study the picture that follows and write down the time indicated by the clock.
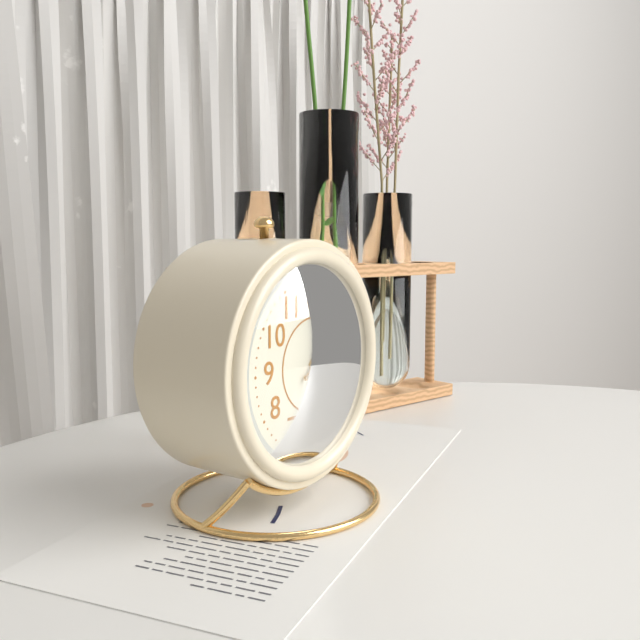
1:03:09
